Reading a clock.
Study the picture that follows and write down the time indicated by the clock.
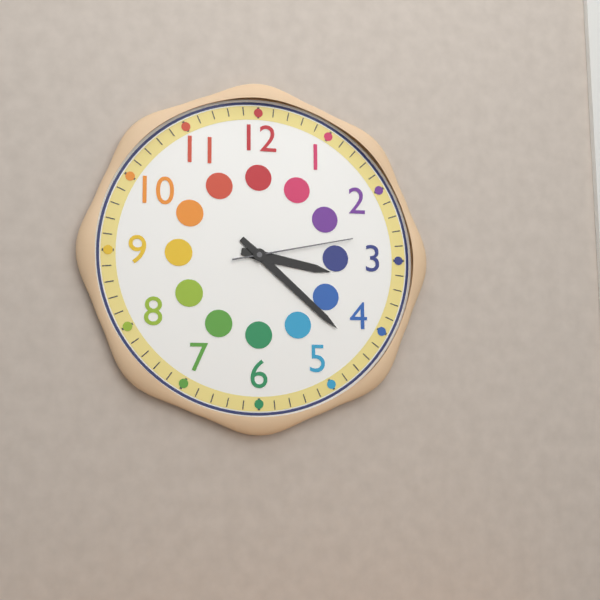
3:22:13
